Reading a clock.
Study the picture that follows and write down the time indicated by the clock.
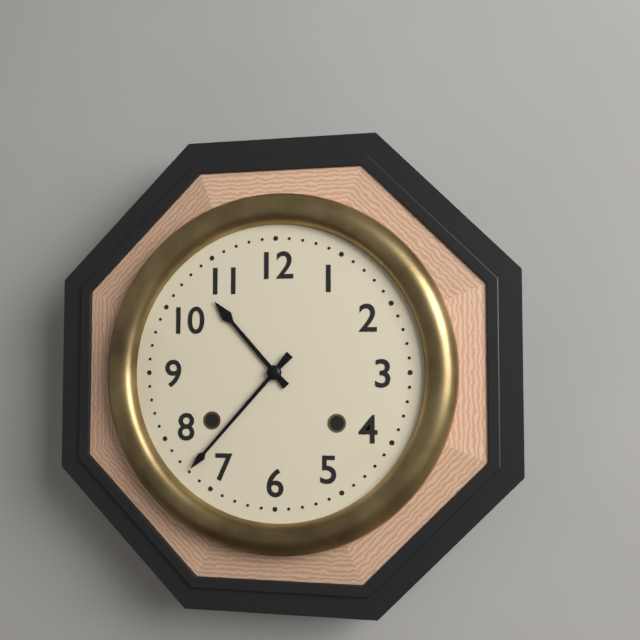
10:37
